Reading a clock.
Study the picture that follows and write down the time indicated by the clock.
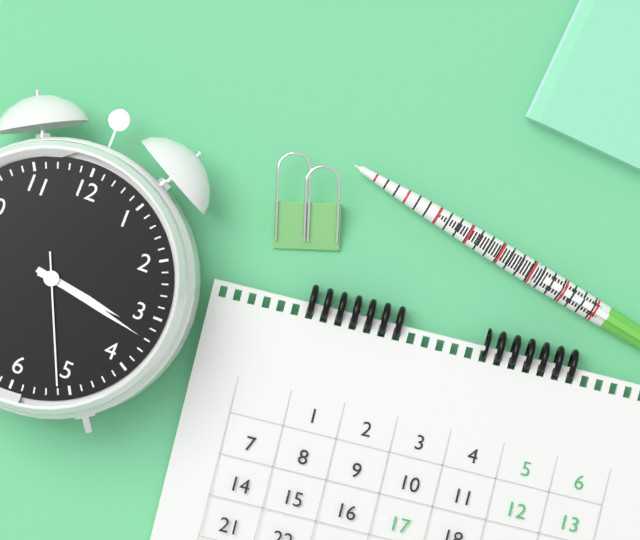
3:17:26
